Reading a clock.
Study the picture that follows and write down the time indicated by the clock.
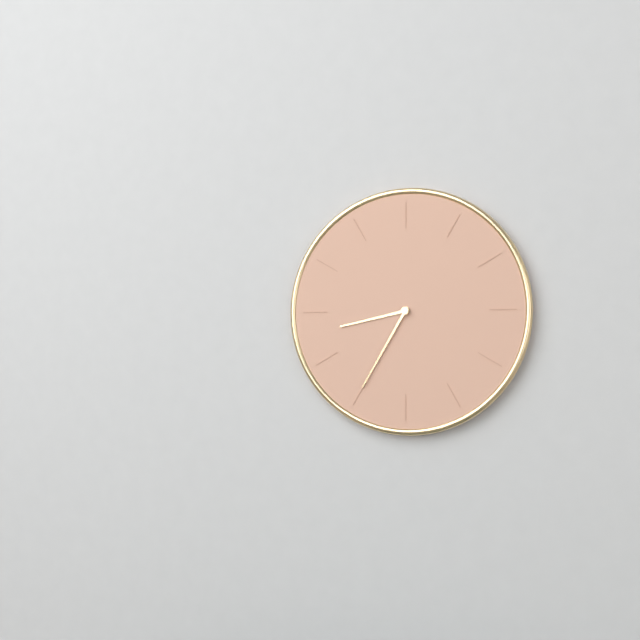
8:35
